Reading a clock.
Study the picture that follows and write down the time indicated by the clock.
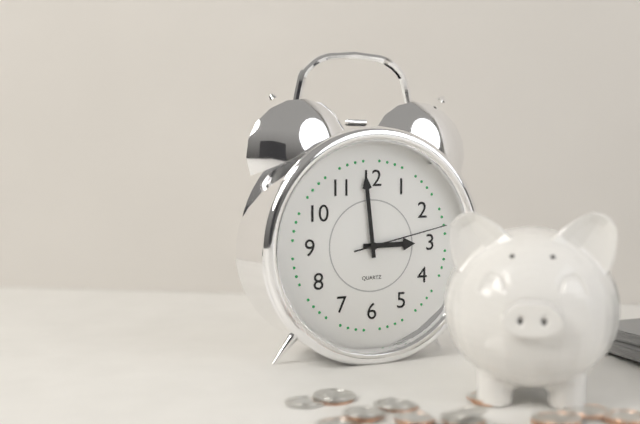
2:59:13
